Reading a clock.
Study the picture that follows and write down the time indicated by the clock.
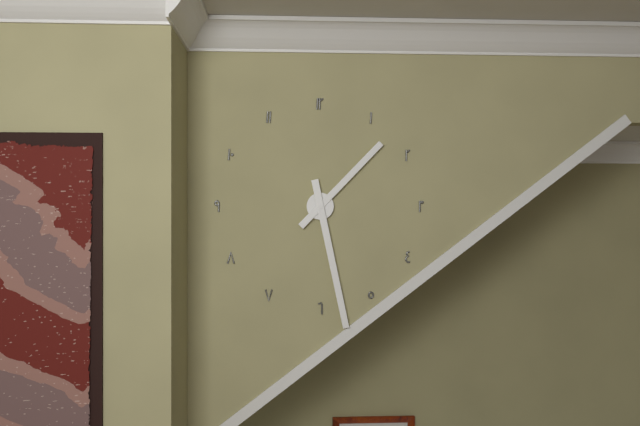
1:28
